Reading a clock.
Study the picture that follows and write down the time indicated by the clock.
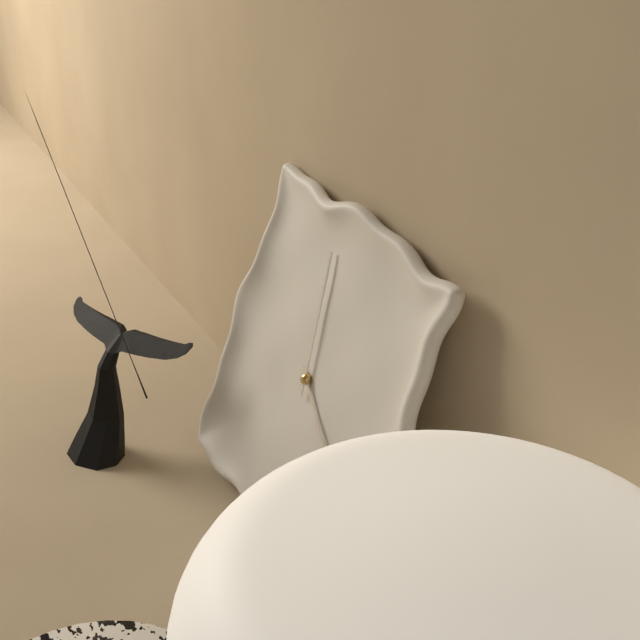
3:58
